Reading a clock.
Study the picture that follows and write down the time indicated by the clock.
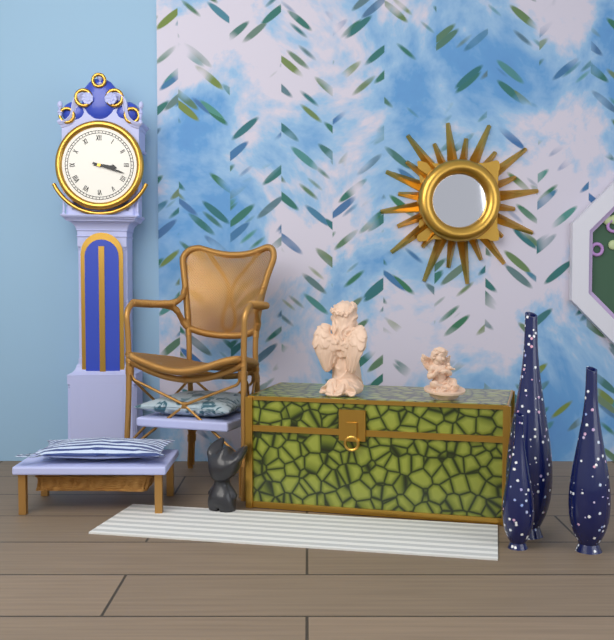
3:18
